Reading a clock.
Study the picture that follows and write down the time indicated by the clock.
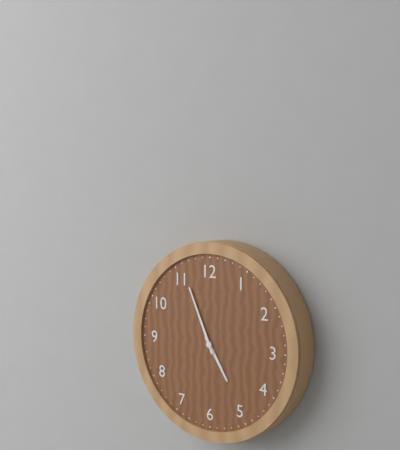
4:56
